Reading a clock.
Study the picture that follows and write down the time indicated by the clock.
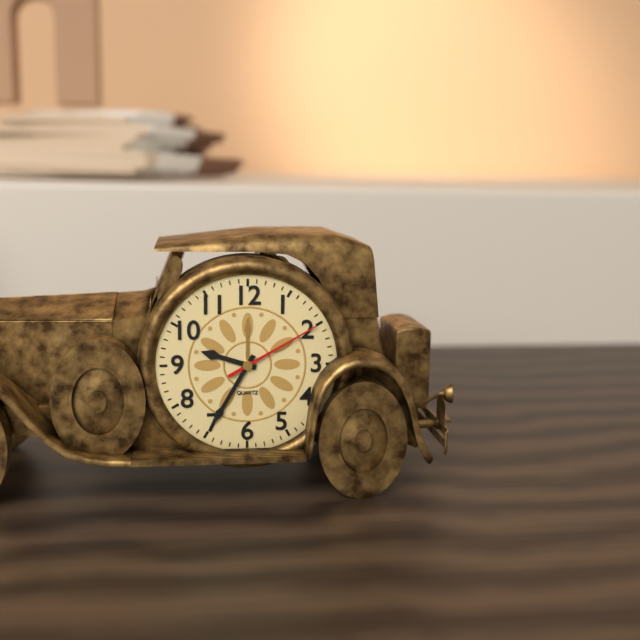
9:35:10
